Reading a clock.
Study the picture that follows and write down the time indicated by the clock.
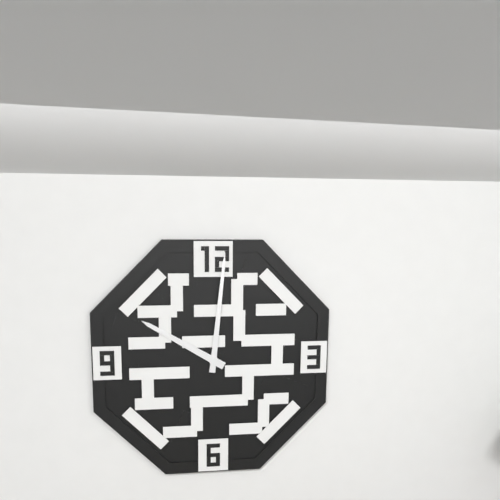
10:01
